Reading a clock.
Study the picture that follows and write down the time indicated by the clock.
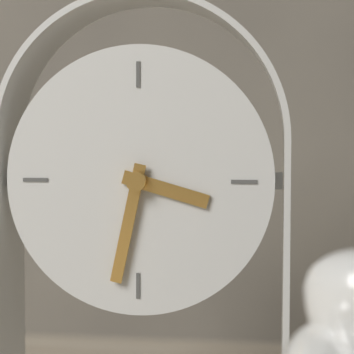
3:32
